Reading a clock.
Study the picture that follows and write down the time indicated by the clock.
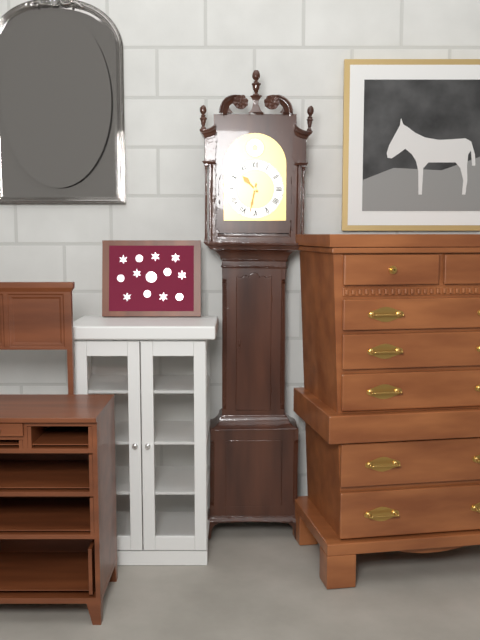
10:32
